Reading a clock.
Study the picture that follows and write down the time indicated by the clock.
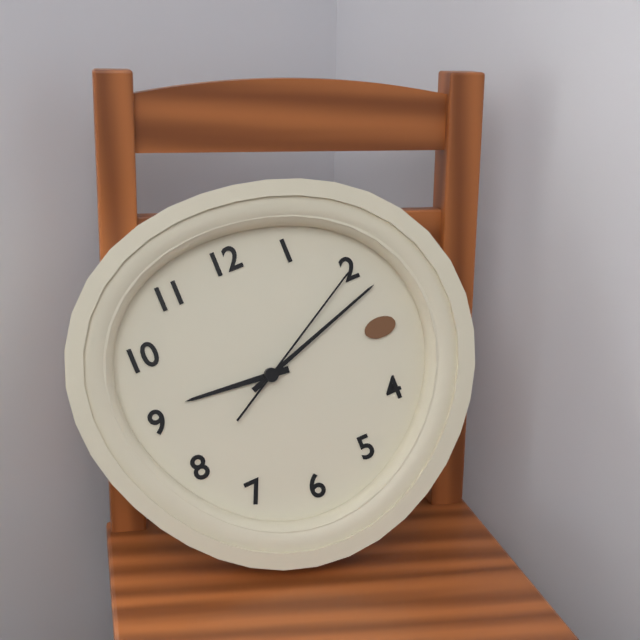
9:12:10
